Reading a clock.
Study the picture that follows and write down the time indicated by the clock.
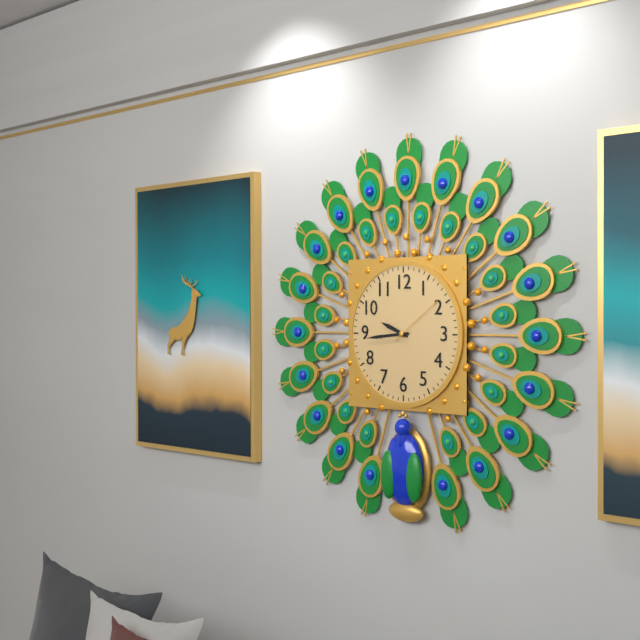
9:44:09
